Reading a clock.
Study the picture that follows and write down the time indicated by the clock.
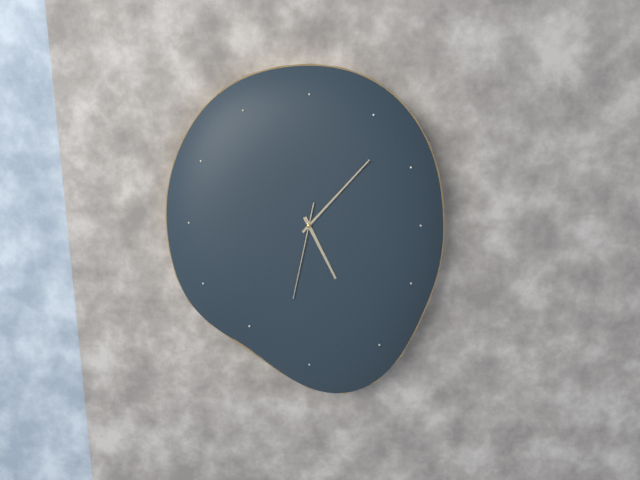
5:07:32
